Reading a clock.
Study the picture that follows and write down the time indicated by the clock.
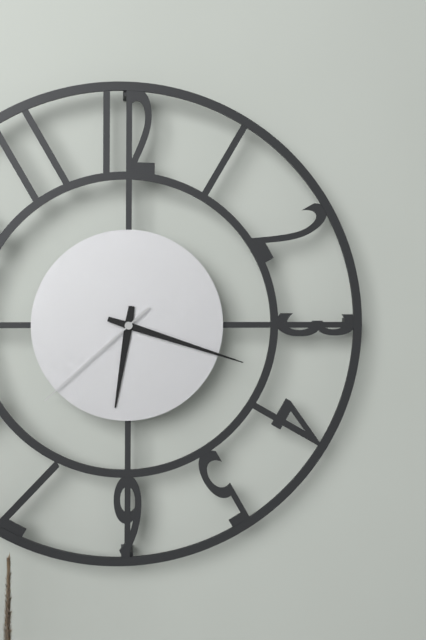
6:18:38
